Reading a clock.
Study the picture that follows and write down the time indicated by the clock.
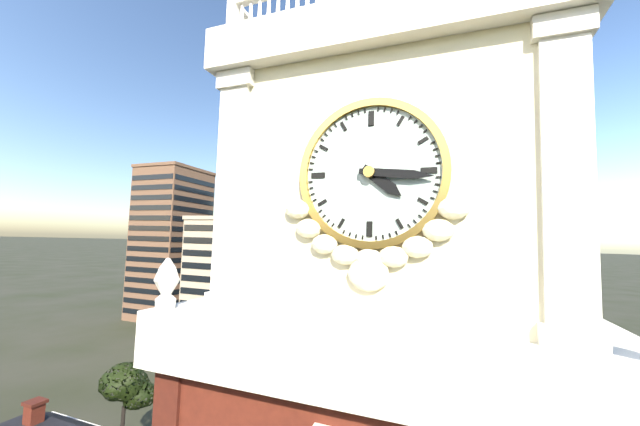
4:16
